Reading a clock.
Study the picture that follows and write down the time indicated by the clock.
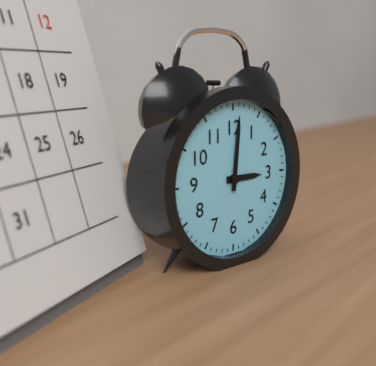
3:01
